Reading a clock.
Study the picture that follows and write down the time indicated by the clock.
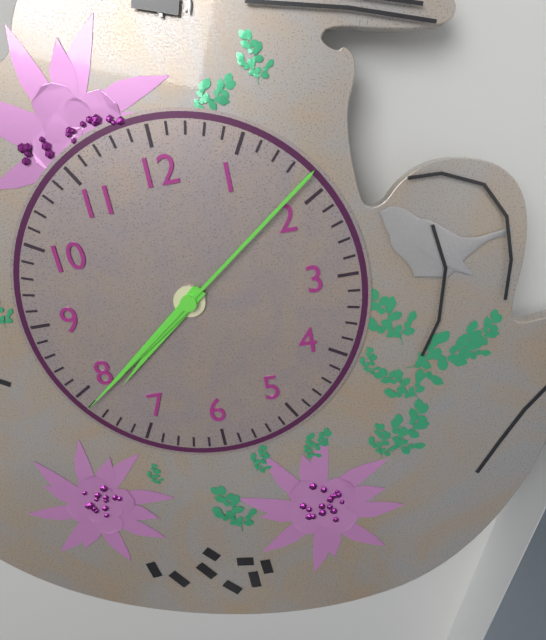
7:39:09
